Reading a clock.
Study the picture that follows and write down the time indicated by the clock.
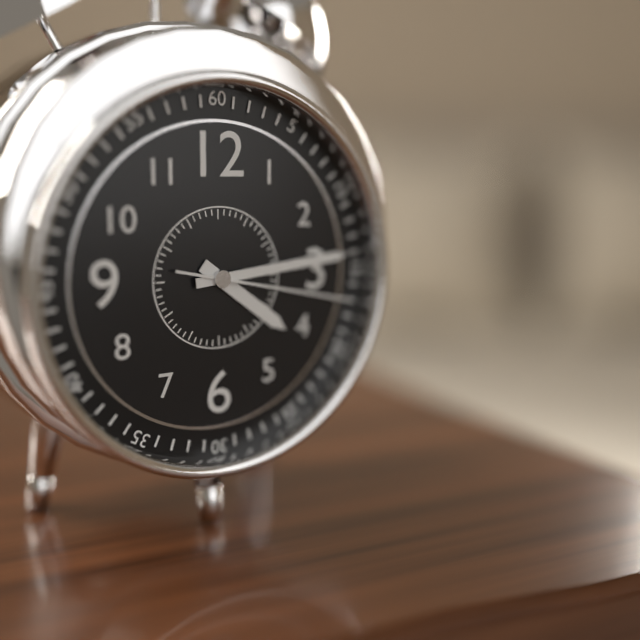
4:14:17
